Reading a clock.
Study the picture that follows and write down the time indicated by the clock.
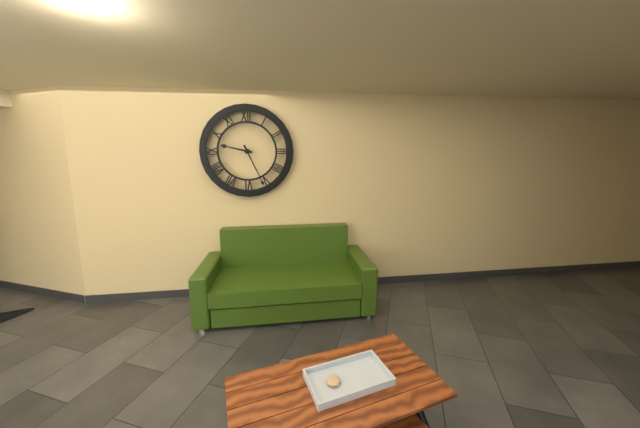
9:26
